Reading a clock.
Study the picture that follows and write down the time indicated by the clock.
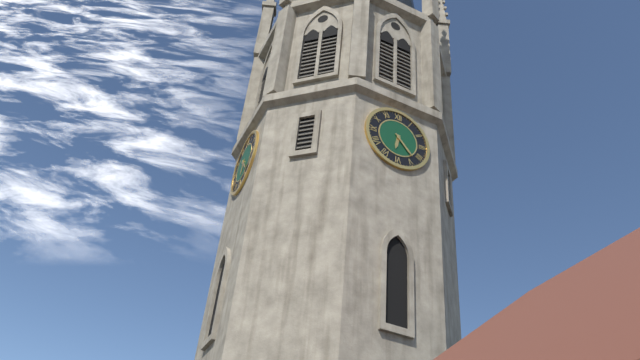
6:23
